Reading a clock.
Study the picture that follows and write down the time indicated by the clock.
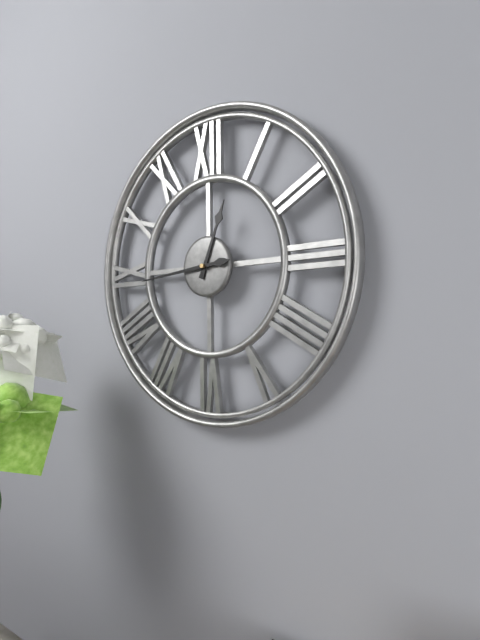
12:44
